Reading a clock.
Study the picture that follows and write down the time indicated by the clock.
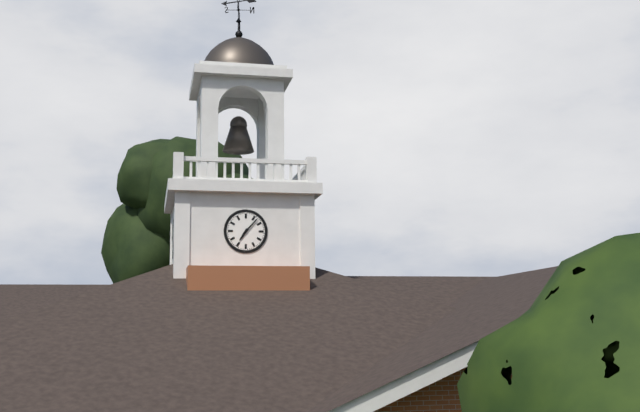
7:07
